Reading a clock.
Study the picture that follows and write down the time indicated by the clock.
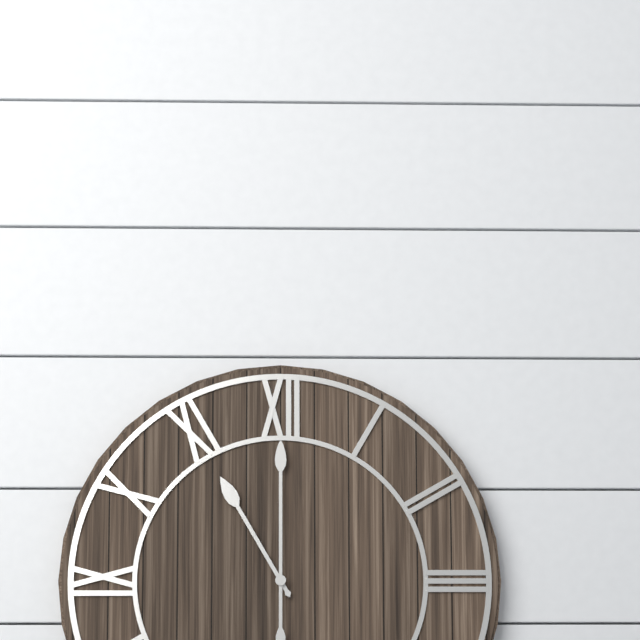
11:00
